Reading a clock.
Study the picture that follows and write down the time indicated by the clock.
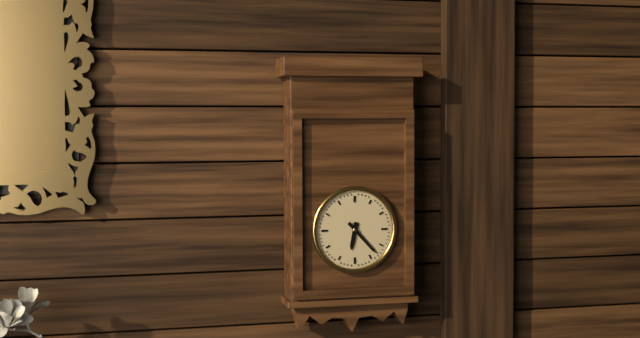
6:23
